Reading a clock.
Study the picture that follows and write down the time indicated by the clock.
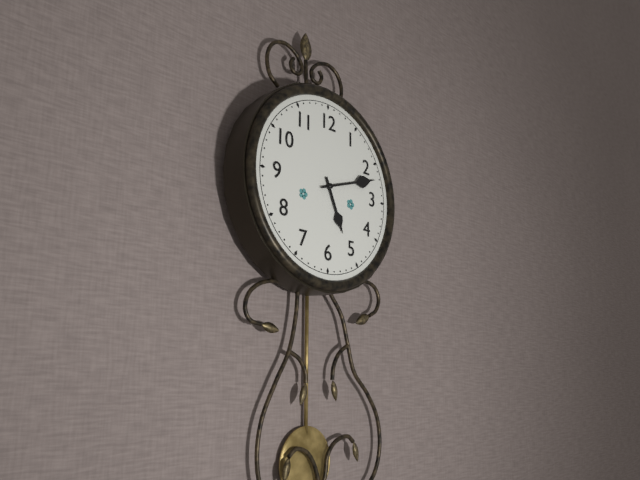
5:12
